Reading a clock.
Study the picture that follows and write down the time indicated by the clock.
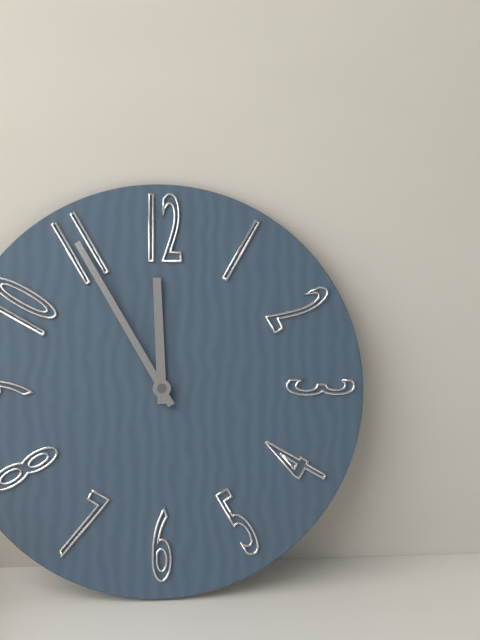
11:55
